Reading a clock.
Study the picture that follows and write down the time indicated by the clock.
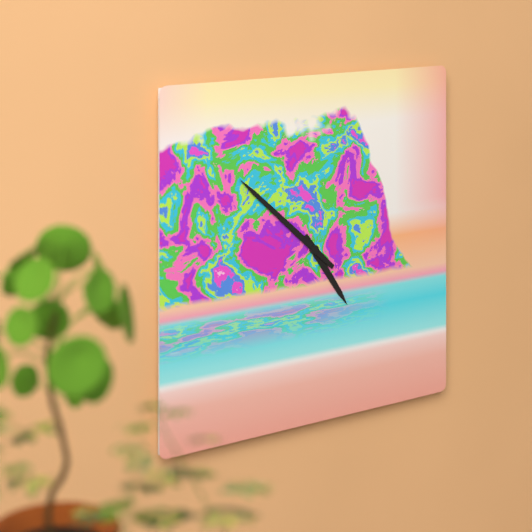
4:52
